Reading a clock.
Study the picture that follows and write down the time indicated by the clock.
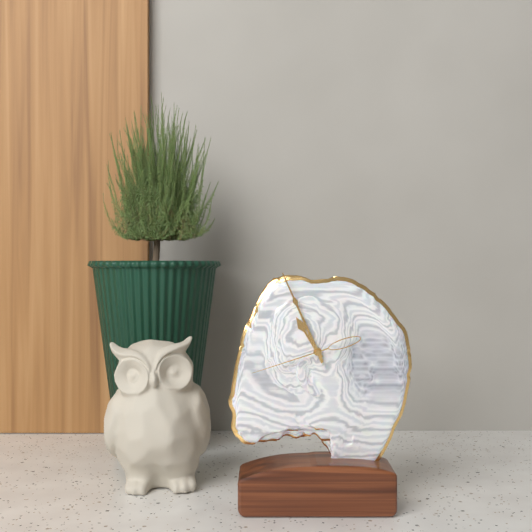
10:56:42
